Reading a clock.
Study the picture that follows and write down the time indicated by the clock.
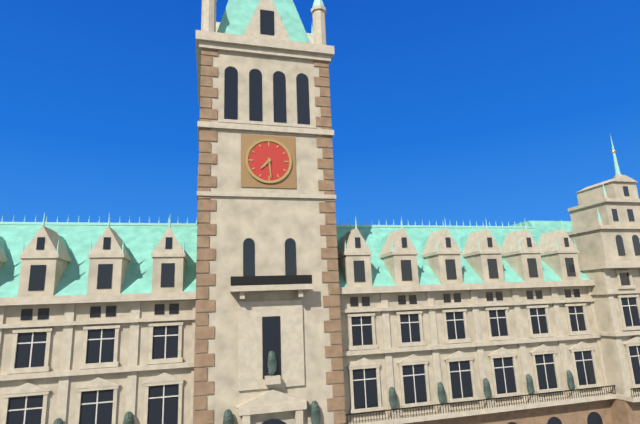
7:29
